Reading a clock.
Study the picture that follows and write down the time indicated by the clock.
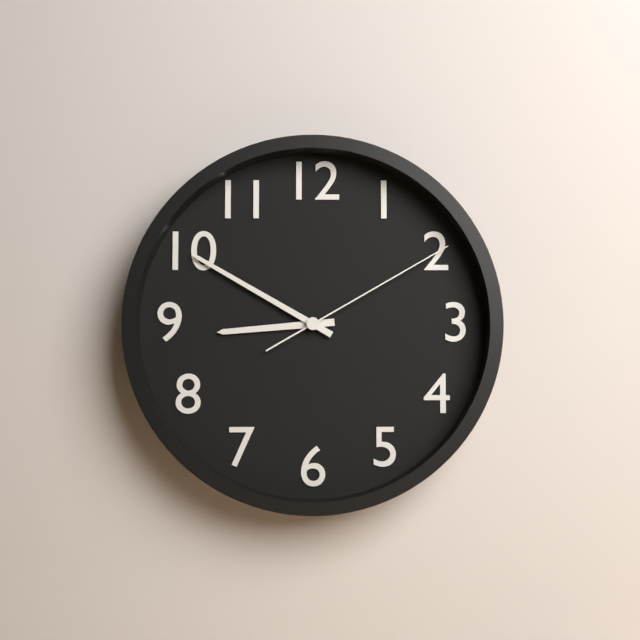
8:50:10
